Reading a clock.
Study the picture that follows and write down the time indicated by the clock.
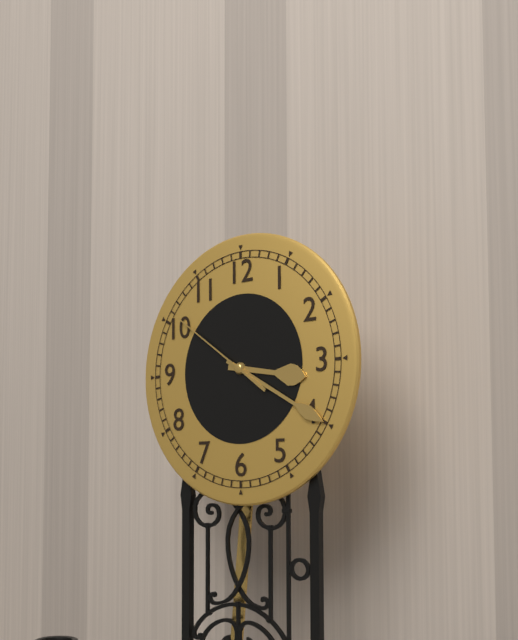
3:20:51
